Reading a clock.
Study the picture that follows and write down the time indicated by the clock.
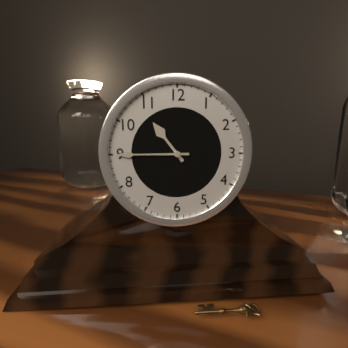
10:45
